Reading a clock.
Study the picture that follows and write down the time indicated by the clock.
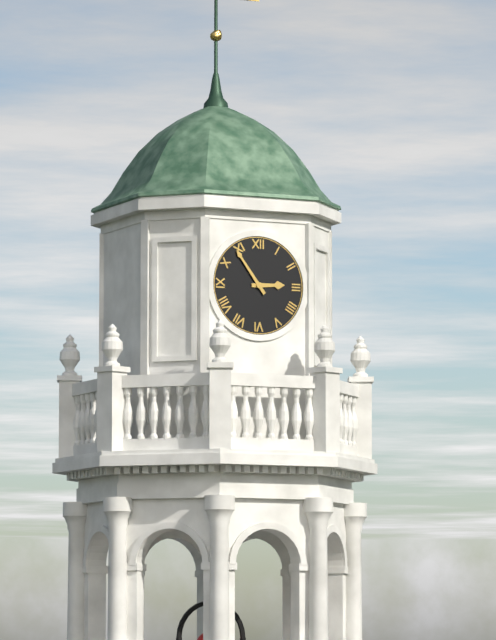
2:54
